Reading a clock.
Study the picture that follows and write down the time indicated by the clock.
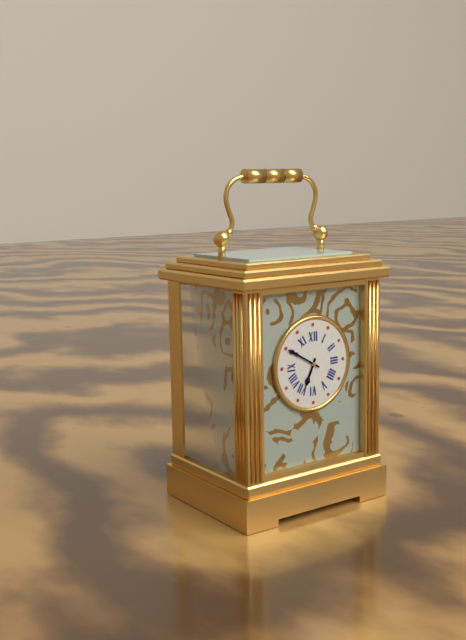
6:50
